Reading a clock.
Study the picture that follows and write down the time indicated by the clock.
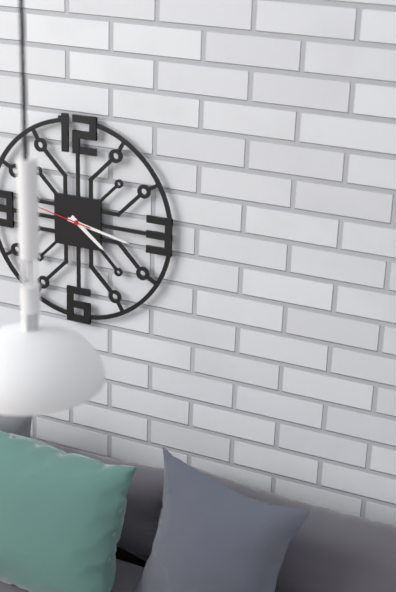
4:17:47
